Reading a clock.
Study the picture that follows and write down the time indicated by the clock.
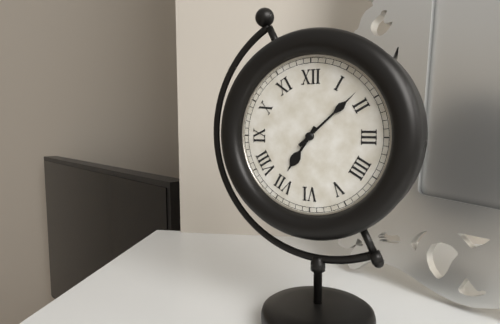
7:08
